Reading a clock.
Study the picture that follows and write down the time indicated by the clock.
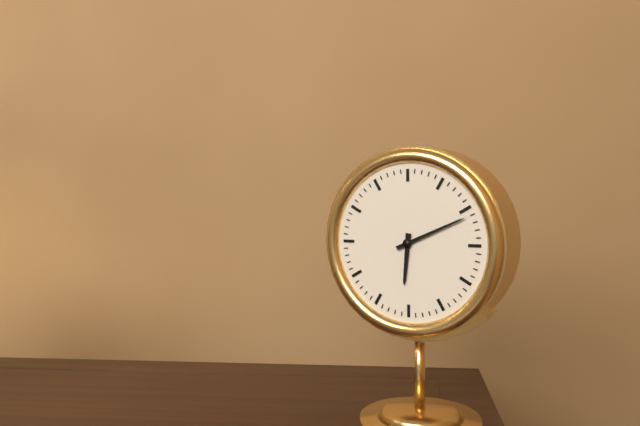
6:11
